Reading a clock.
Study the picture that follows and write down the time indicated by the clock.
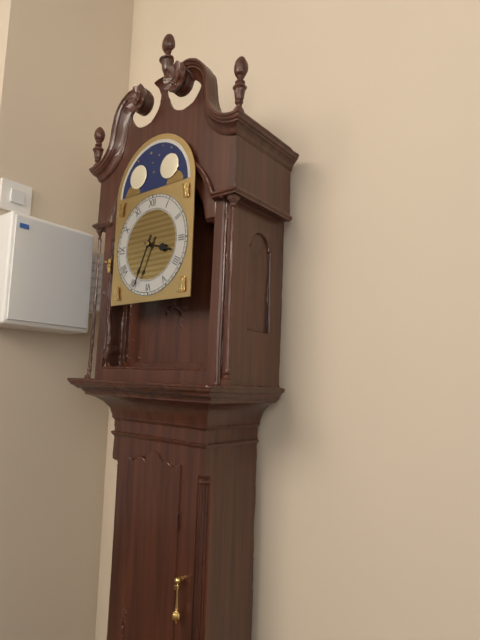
3:34
